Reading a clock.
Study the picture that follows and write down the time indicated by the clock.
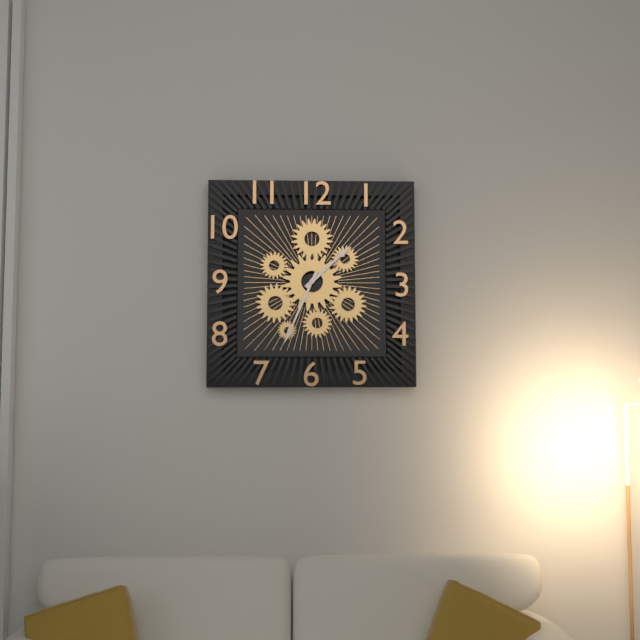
1:34
